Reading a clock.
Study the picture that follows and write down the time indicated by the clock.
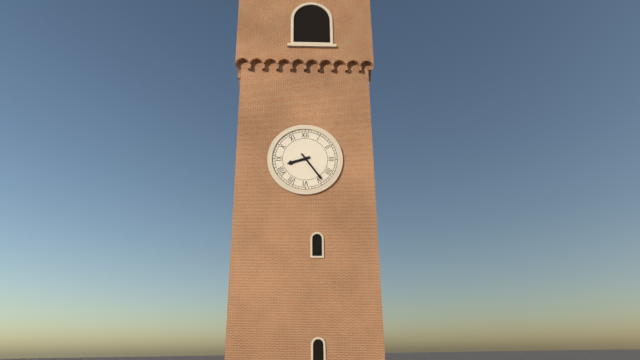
8:24
